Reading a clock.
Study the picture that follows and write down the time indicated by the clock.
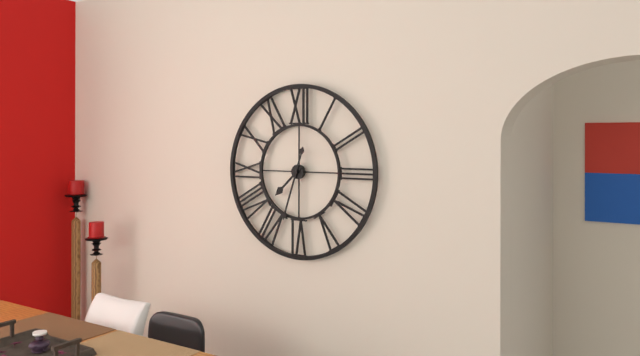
7:33
